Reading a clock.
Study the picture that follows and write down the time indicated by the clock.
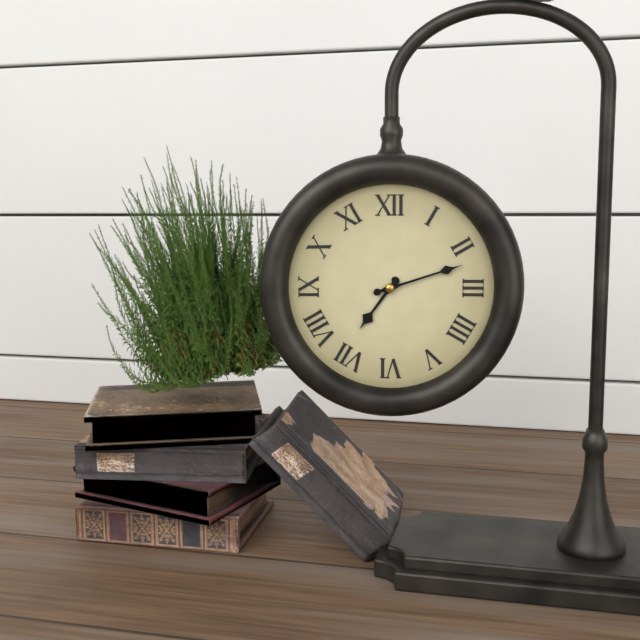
7:12
